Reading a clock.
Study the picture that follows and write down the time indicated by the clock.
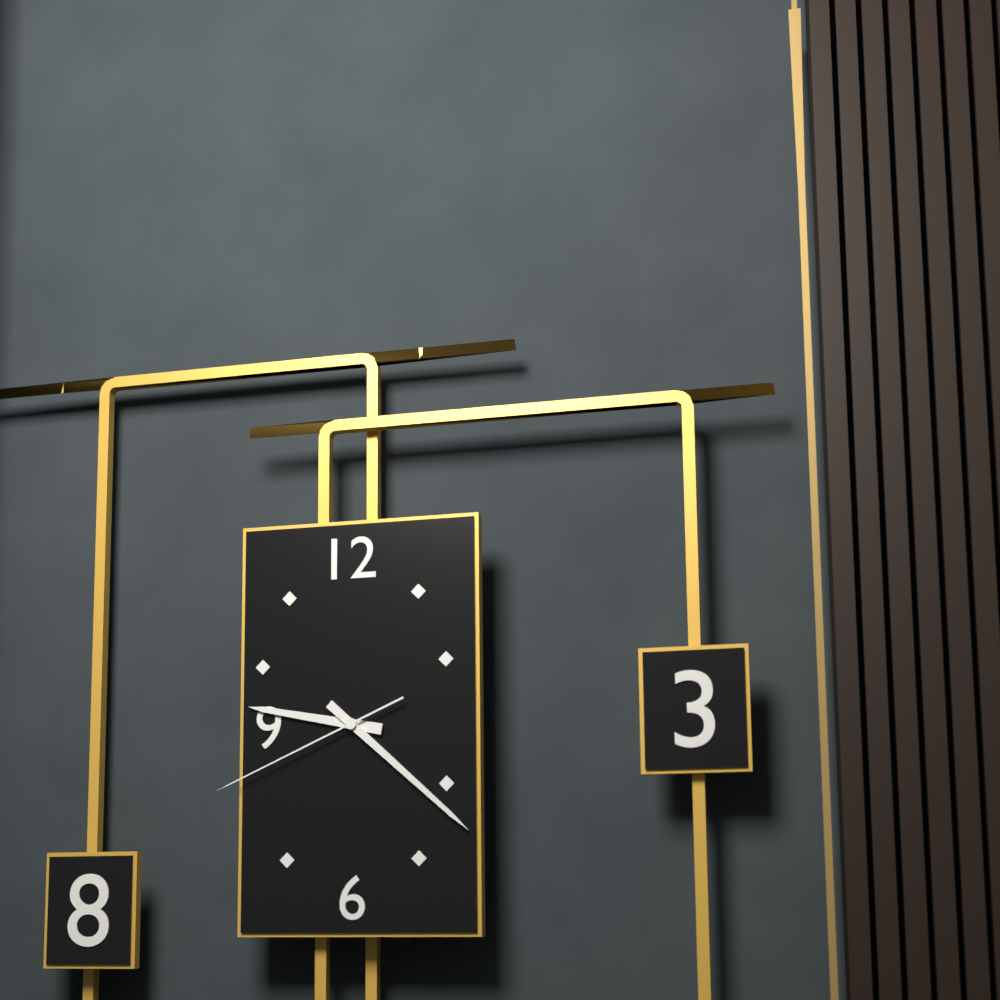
9:22:41
